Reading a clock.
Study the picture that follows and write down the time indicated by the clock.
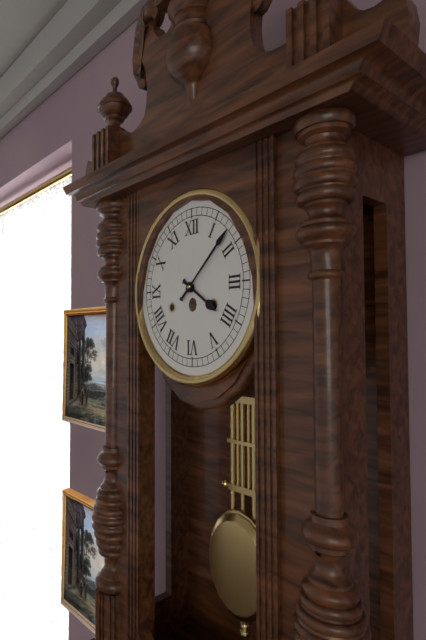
4:08
